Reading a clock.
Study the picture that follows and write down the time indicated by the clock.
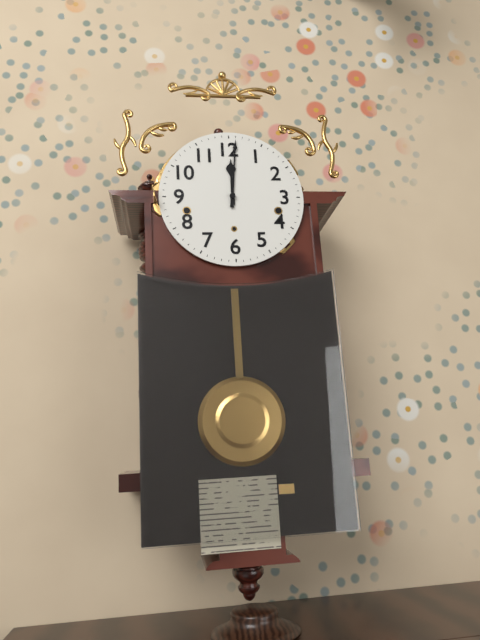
12:01
